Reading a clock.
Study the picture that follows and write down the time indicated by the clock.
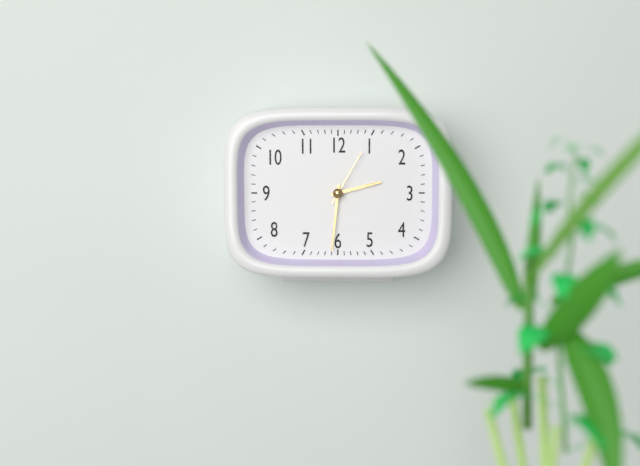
2:31:05
